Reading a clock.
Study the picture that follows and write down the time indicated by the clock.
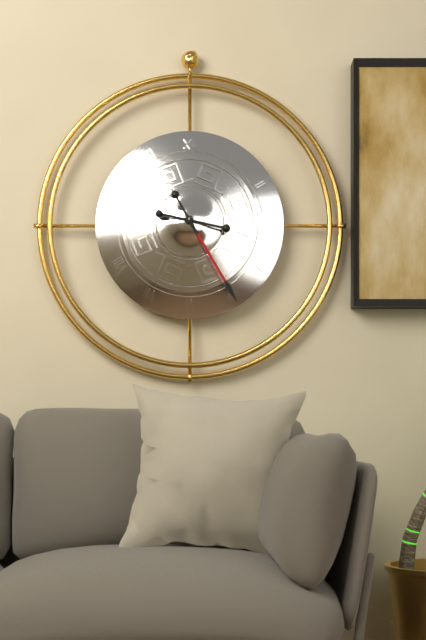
3:25
